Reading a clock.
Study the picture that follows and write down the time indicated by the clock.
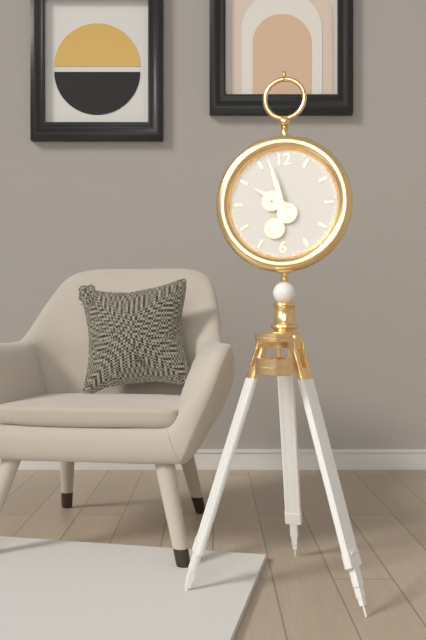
9:57
